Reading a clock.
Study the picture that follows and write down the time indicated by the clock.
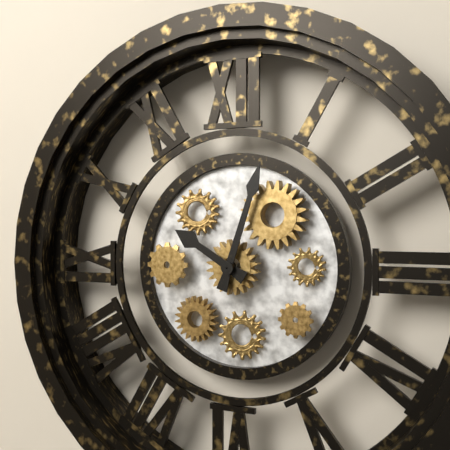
10:03
